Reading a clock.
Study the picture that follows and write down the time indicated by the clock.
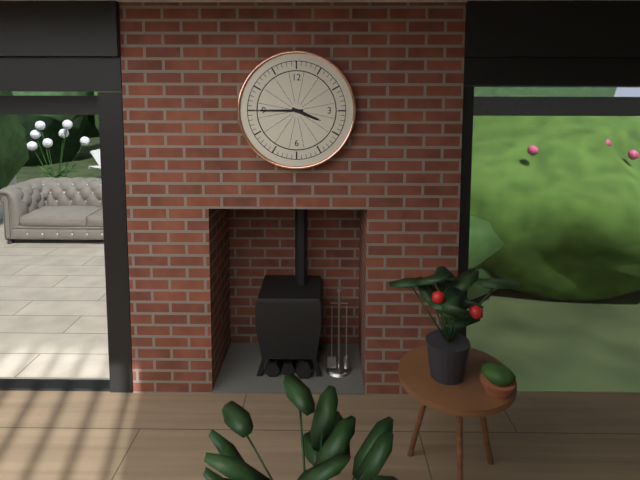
3:45
